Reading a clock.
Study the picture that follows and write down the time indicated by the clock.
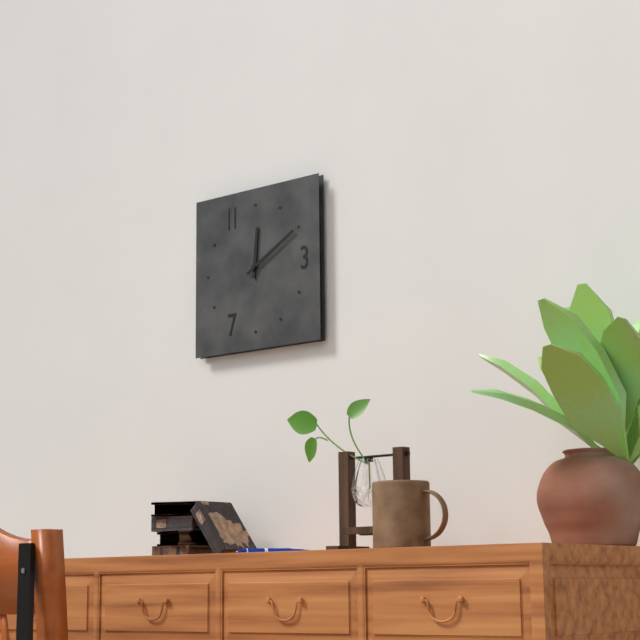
12:10
